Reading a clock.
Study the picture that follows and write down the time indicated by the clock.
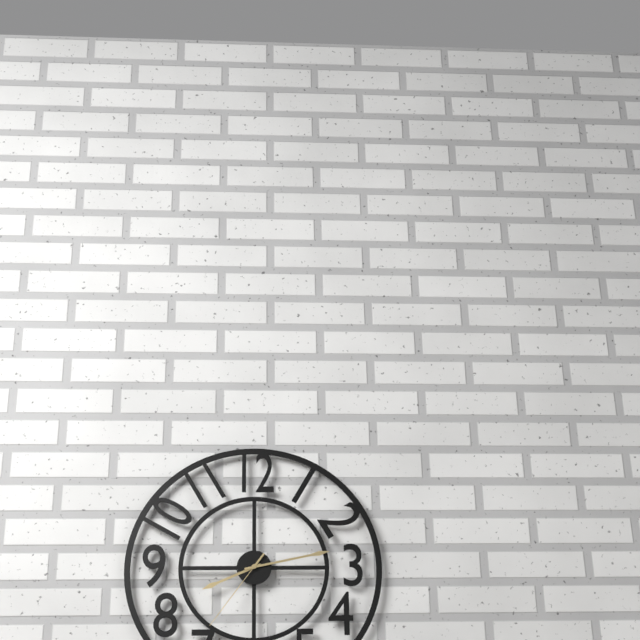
8:13:36
